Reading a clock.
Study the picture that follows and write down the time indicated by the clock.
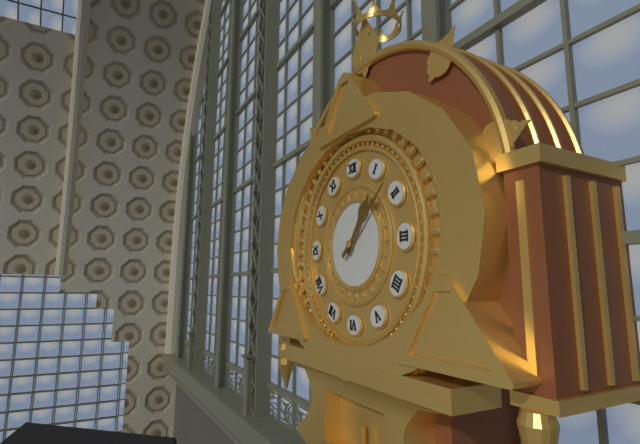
1:08
